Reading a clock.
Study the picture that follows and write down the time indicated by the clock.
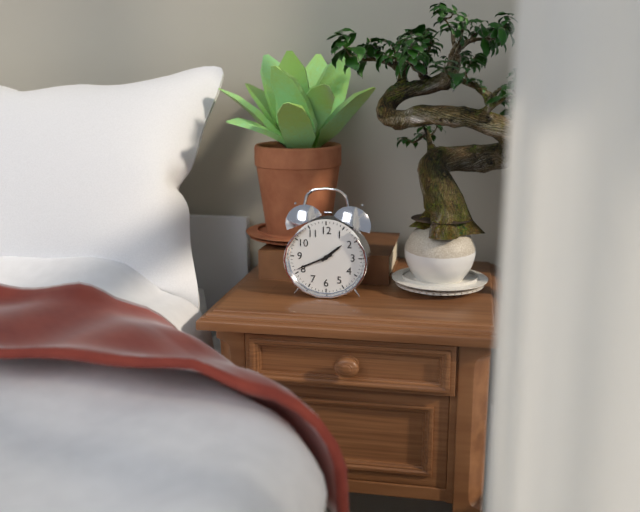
1:41
